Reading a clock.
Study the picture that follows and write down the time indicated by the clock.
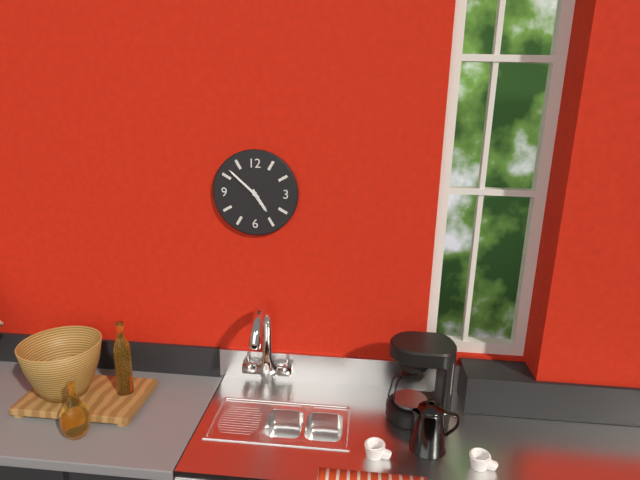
4:52
